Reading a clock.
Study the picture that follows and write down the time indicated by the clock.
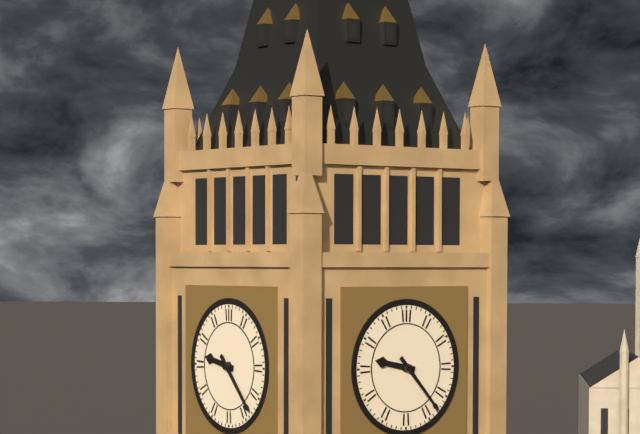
9:23
